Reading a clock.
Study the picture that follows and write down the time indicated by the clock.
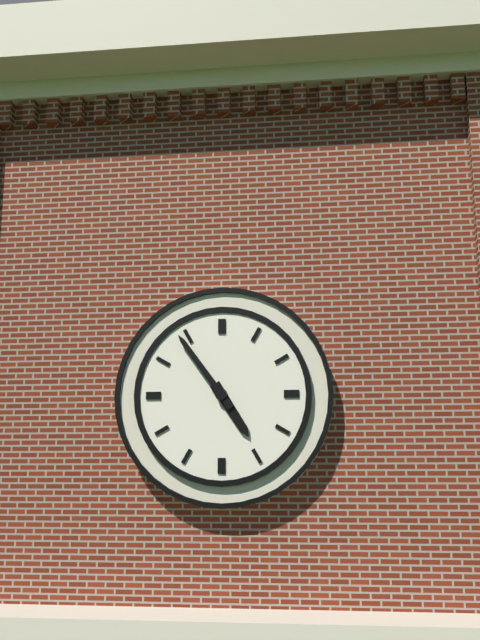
4:54
